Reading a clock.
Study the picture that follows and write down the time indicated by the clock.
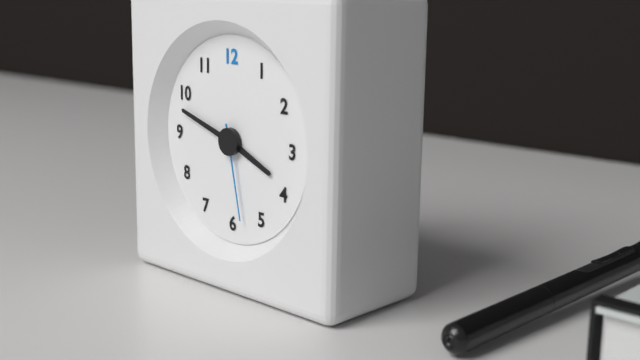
3:48:28
